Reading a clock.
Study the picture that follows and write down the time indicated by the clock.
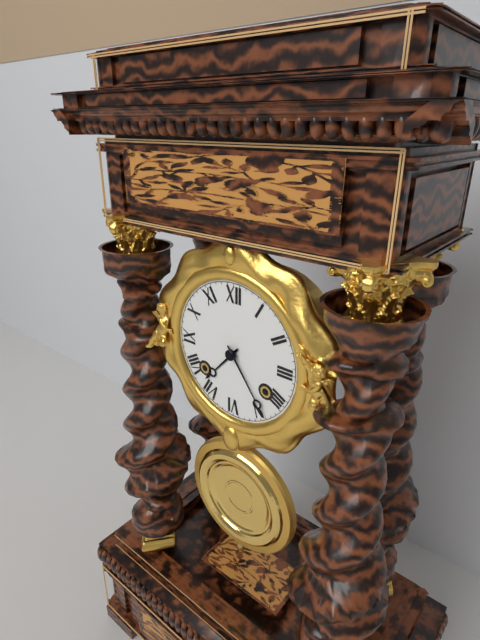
7:24
